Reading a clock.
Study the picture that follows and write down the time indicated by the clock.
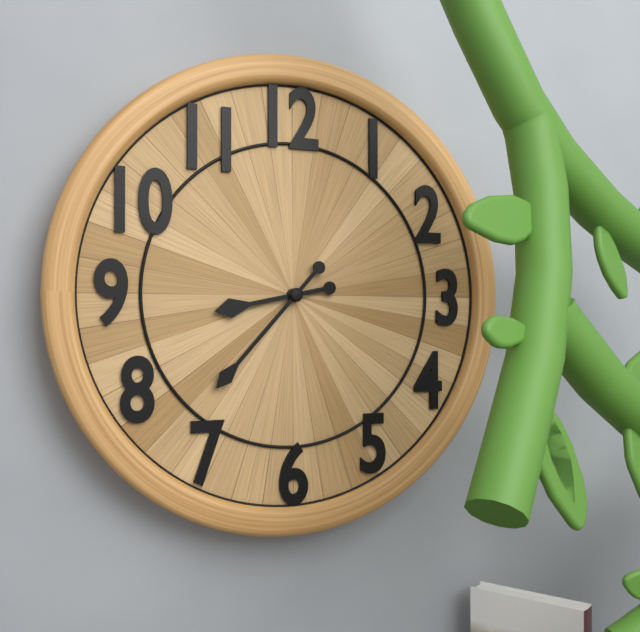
8:37
